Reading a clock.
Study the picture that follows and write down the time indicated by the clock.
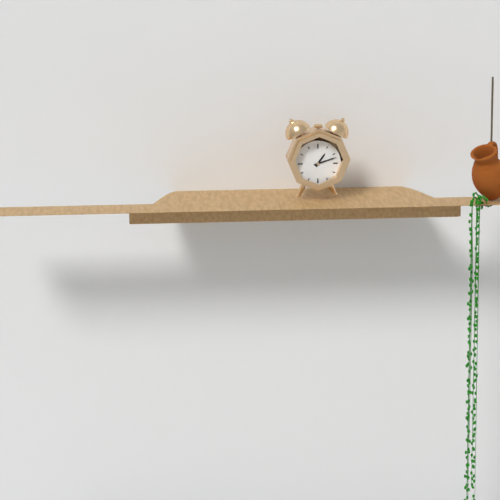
1:12
